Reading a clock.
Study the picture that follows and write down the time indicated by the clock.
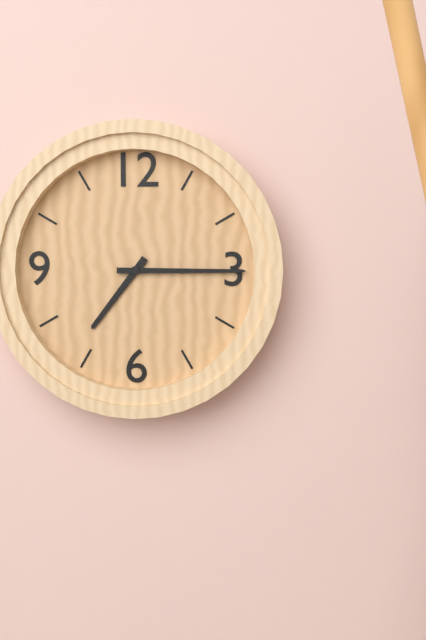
7:15
